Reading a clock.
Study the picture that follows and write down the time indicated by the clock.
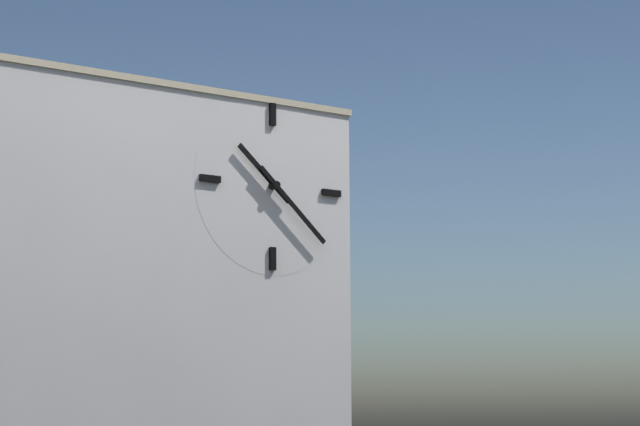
10:22
